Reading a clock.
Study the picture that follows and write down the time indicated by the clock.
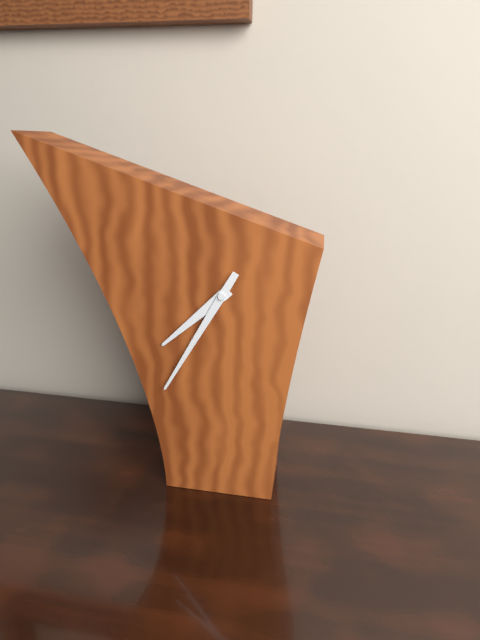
7:35
